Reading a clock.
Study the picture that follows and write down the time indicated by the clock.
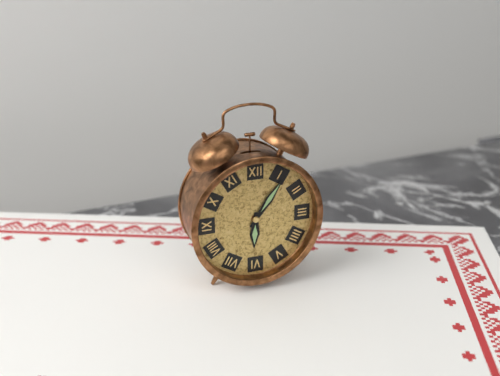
6:06
